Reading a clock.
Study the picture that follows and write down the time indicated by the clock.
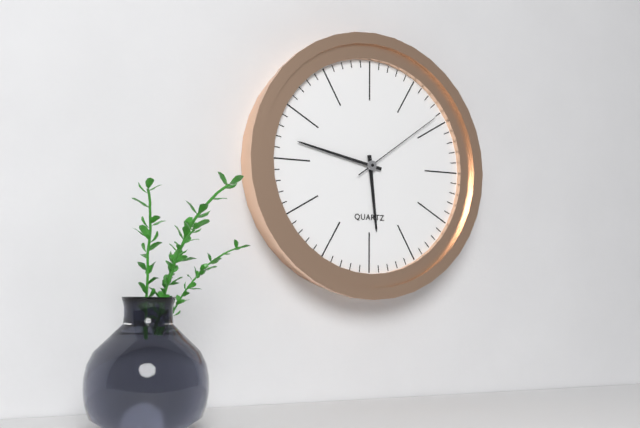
5:47:09
